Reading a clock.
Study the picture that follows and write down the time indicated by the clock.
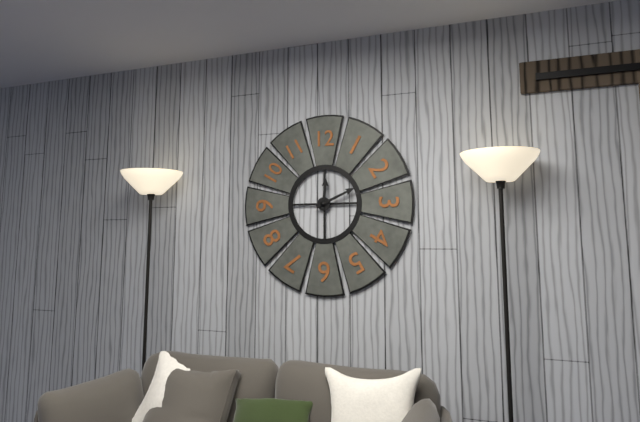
12:11
